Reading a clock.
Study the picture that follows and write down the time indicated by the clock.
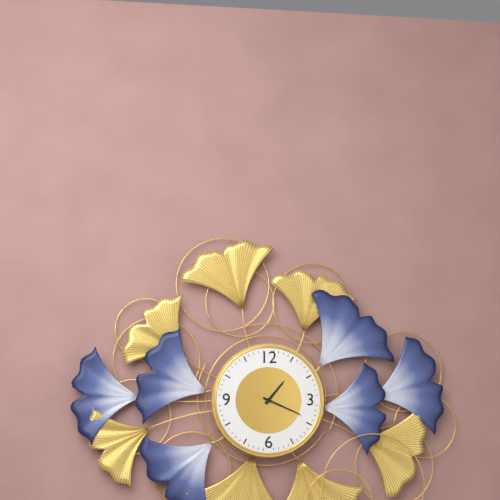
1:19
